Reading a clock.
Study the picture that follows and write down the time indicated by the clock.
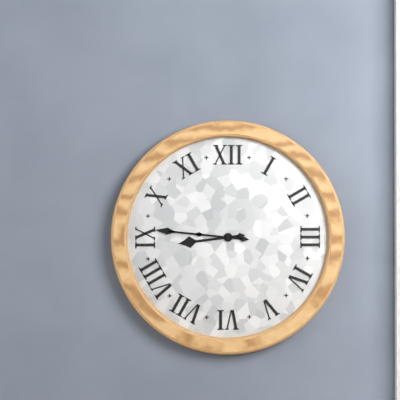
8:46
